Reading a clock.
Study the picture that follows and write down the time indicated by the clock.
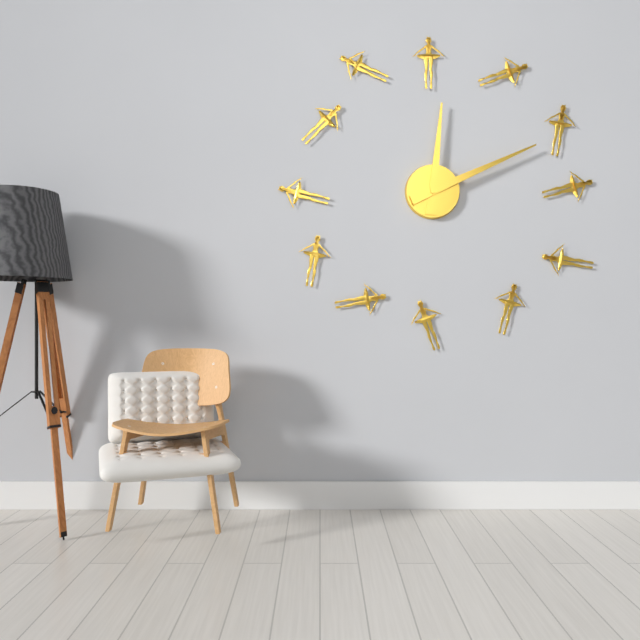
12:11
